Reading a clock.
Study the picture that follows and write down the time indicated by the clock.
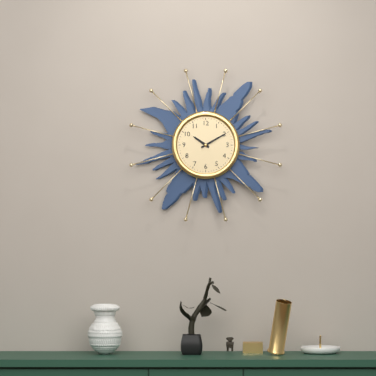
10:10
